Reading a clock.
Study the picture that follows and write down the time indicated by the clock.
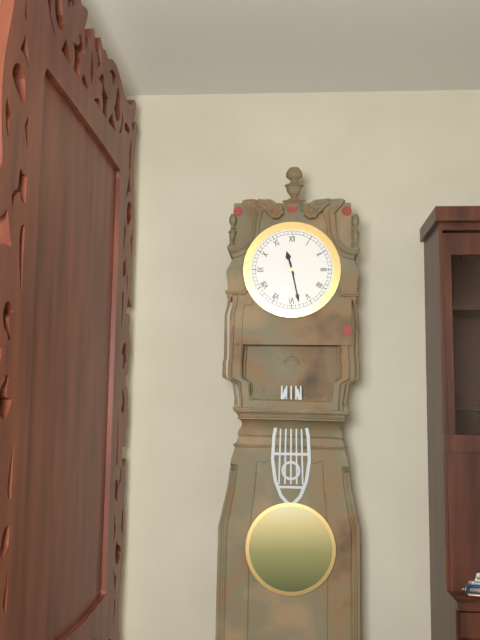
11:28
